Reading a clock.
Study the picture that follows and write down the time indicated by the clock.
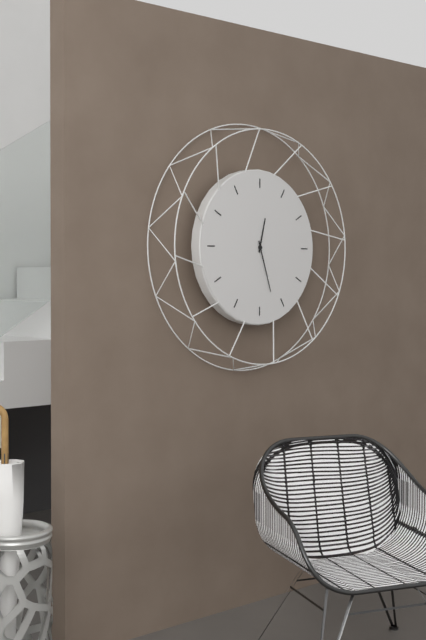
12:27
